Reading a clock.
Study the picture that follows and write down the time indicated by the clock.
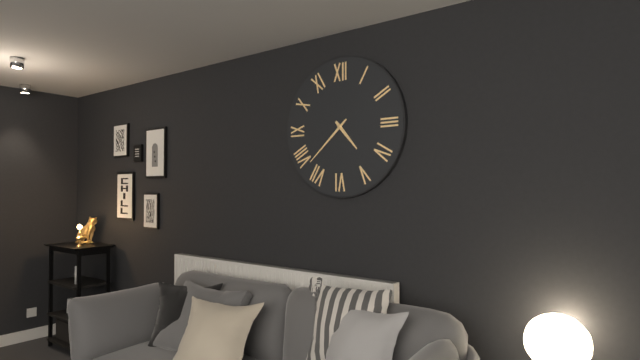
4:38
